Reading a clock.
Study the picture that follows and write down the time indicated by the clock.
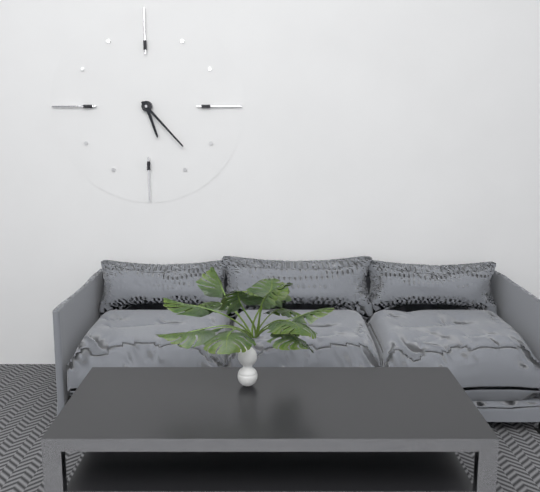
5:23
